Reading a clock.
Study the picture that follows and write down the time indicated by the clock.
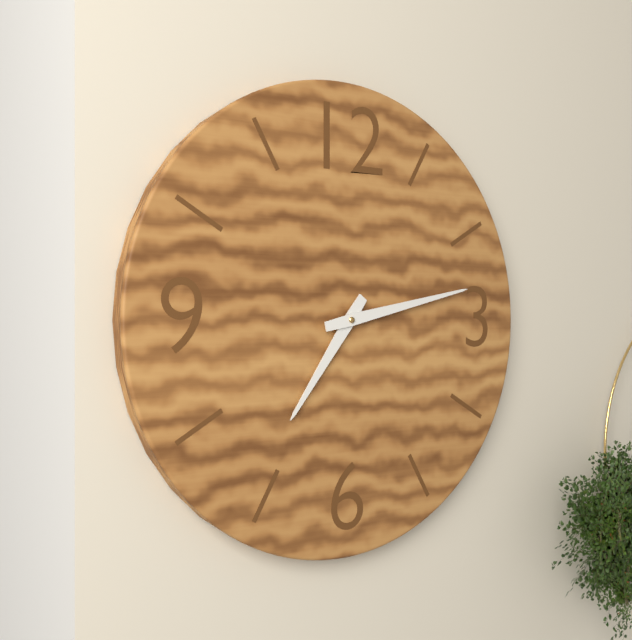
7:13
